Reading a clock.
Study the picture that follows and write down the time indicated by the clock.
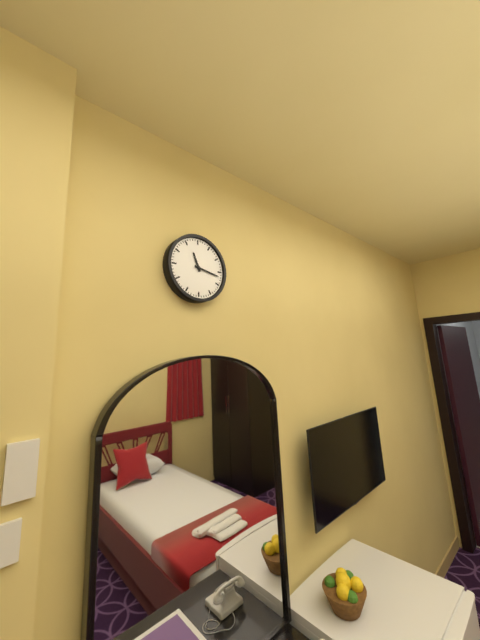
11:17
